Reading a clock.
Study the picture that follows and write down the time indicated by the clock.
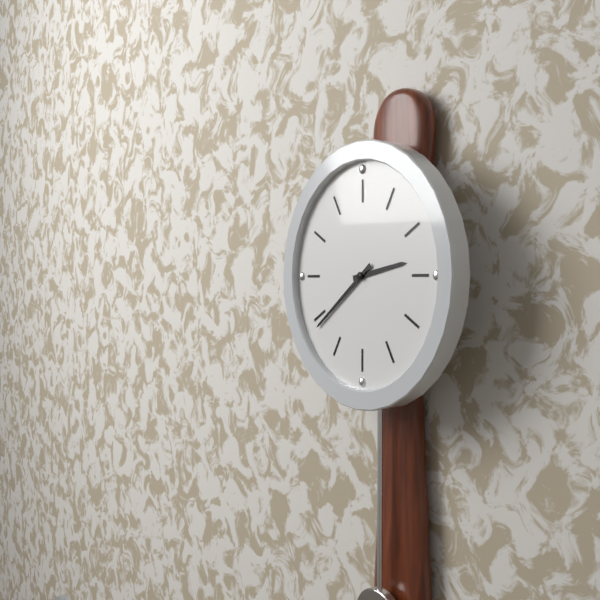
2:39
